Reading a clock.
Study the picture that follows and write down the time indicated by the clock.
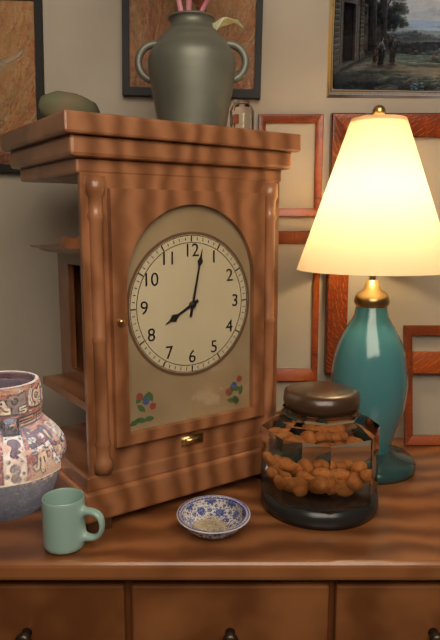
8:02
